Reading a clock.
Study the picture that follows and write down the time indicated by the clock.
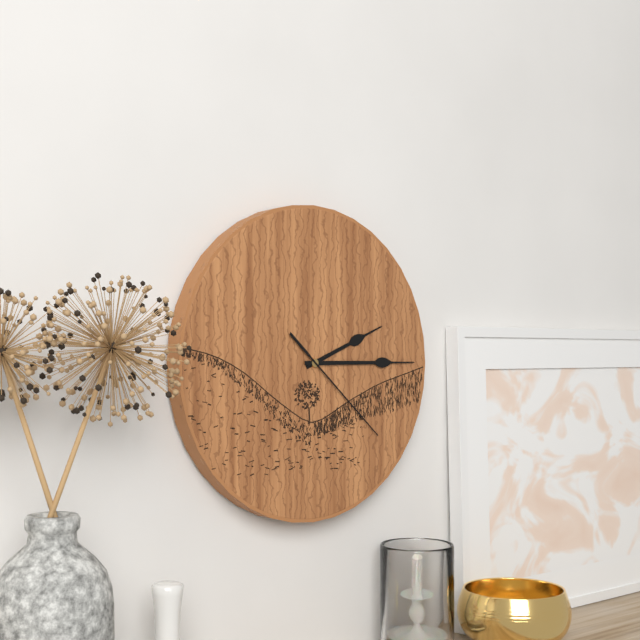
2:15:22
